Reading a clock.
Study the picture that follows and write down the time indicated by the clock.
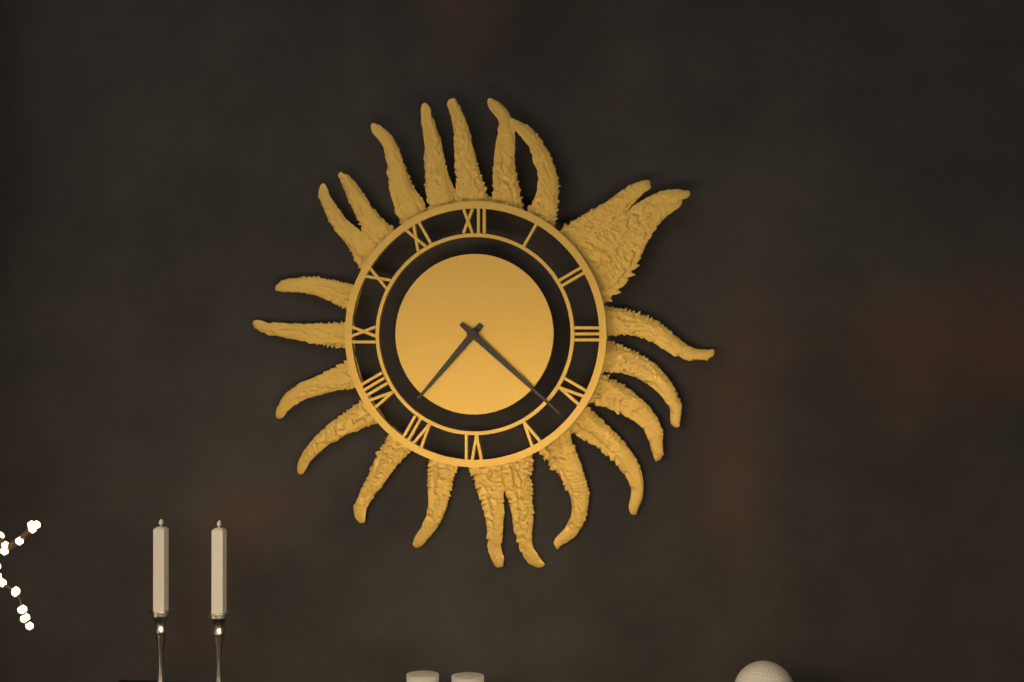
7:22
